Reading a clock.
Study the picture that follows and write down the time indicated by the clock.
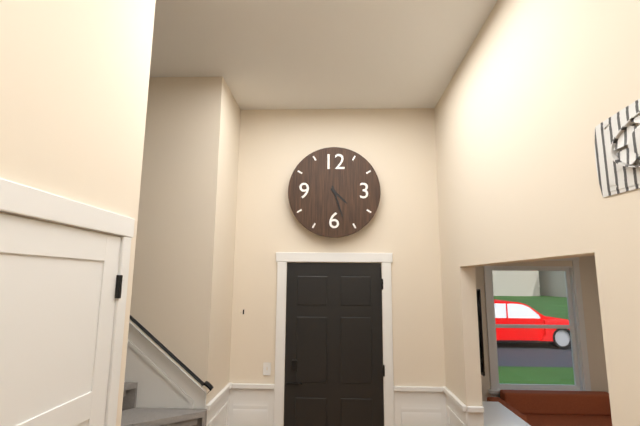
4:27
